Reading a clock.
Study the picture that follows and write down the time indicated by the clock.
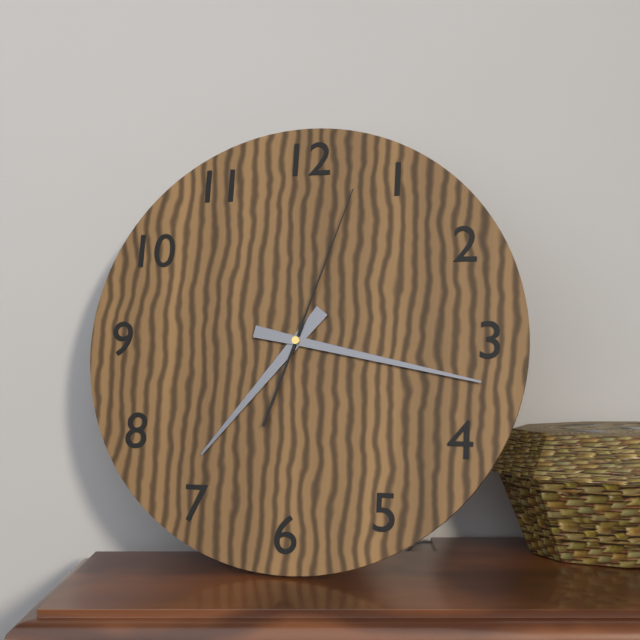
7:17:03
